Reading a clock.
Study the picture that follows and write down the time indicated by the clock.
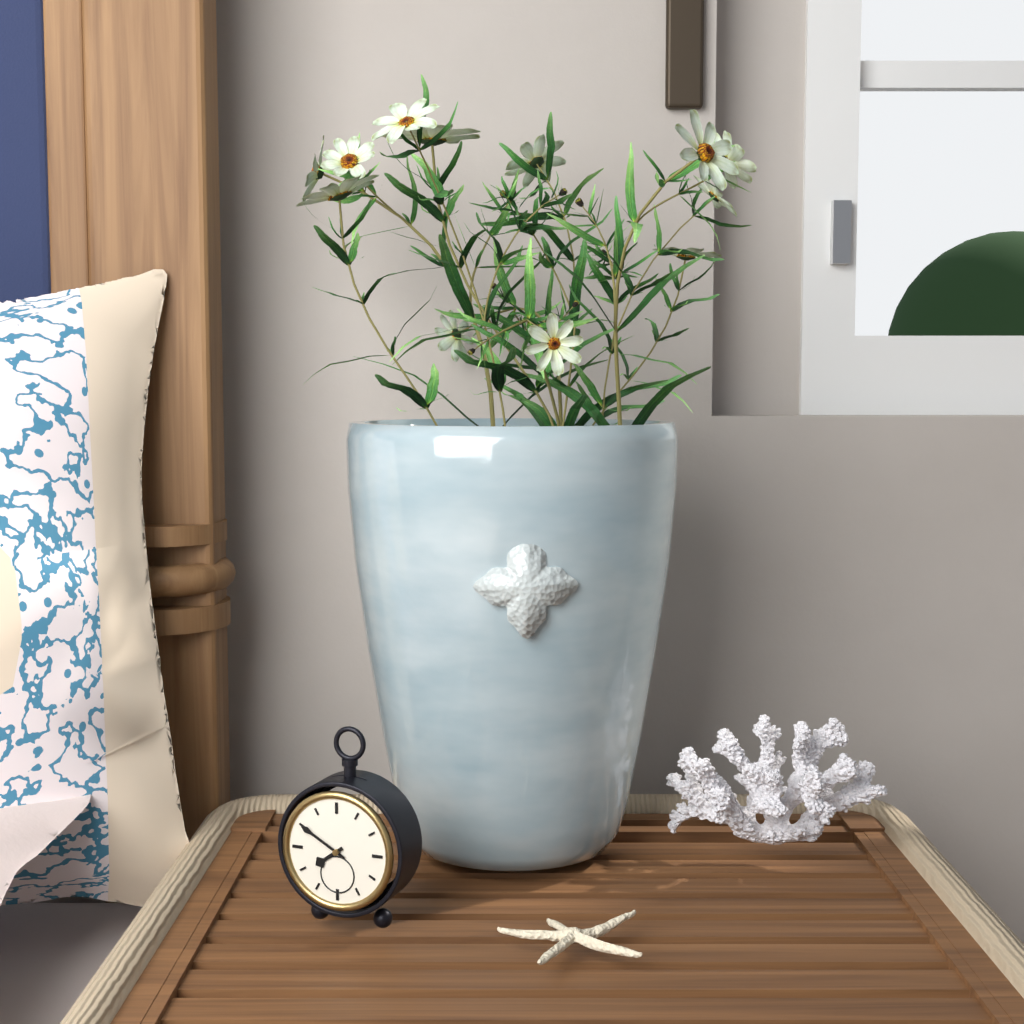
7:50
